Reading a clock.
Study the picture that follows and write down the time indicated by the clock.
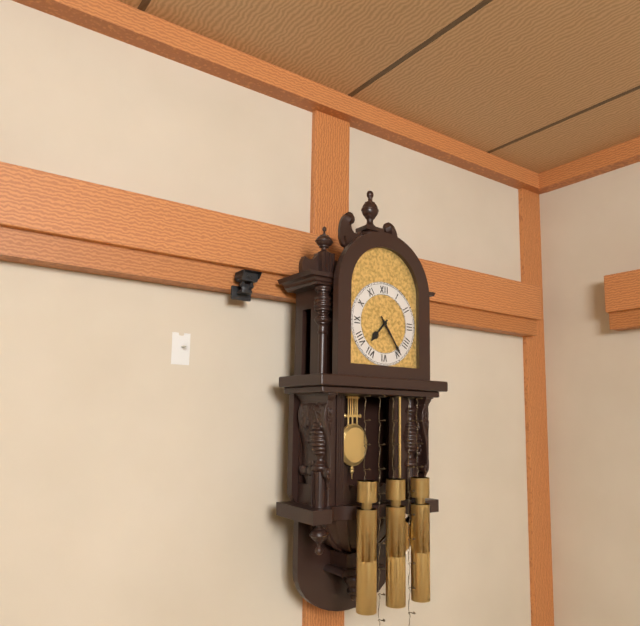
7:24
